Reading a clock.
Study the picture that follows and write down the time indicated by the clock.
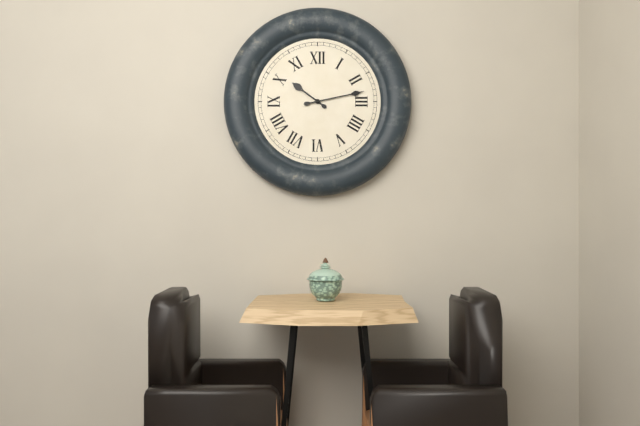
10:13
